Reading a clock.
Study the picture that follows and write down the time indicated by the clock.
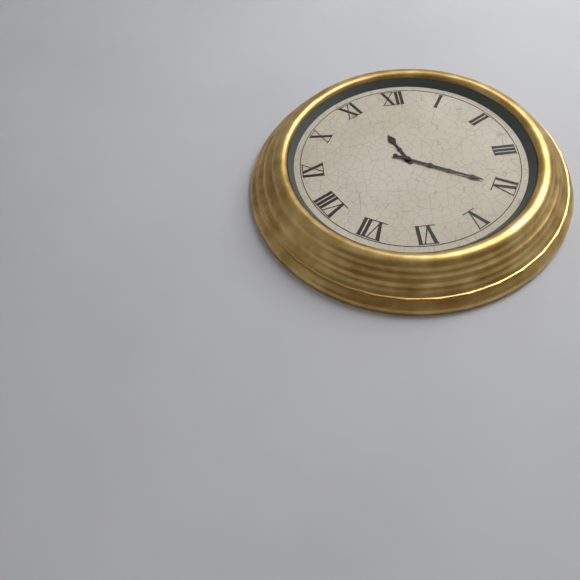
11:20
